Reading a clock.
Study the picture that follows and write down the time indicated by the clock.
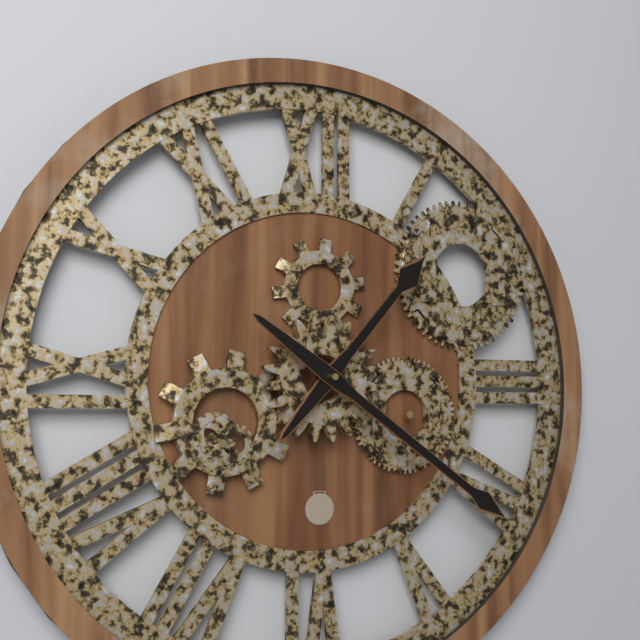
1:21
